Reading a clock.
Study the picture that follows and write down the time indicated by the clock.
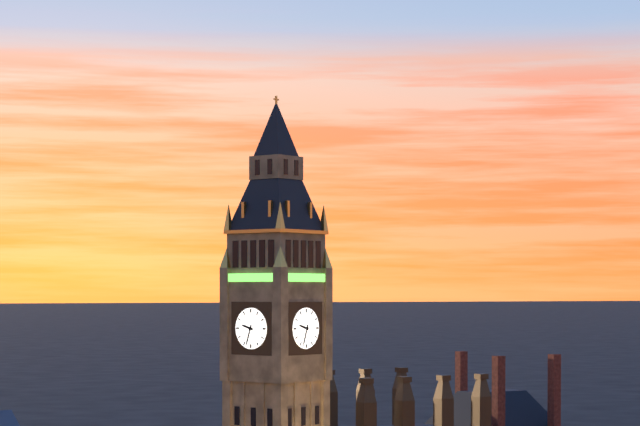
9:33
